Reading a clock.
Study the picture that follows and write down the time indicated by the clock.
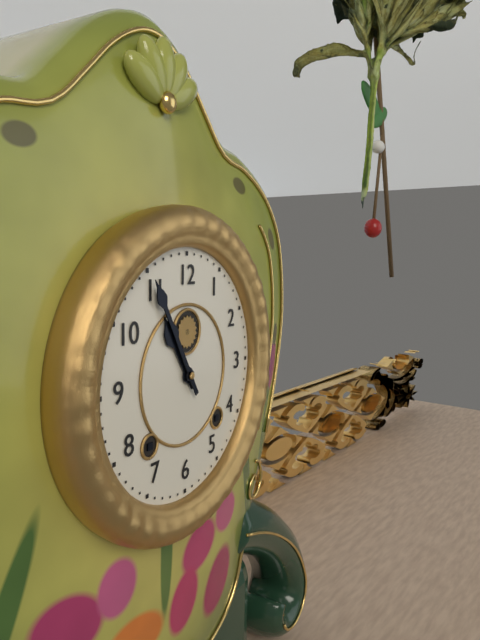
10:55
